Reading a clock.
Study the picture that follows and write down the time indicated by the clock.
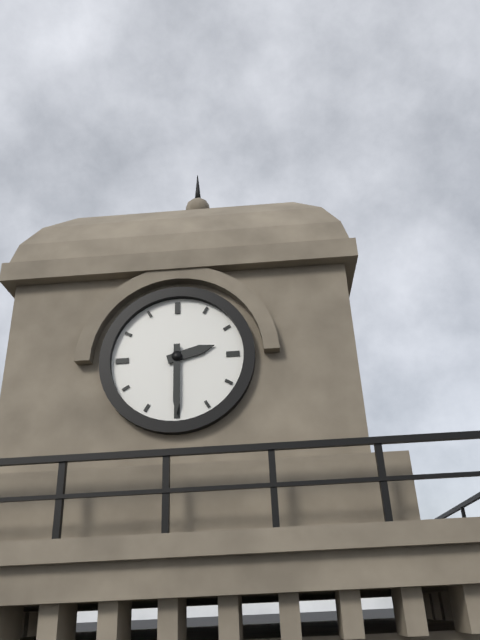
2:30
